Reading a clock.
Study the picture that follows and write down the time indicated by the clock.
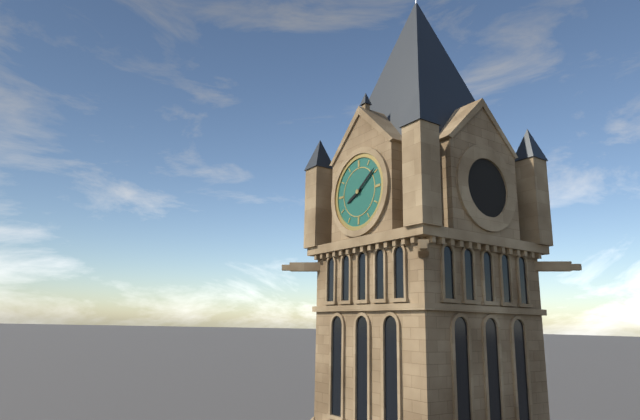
8:09
